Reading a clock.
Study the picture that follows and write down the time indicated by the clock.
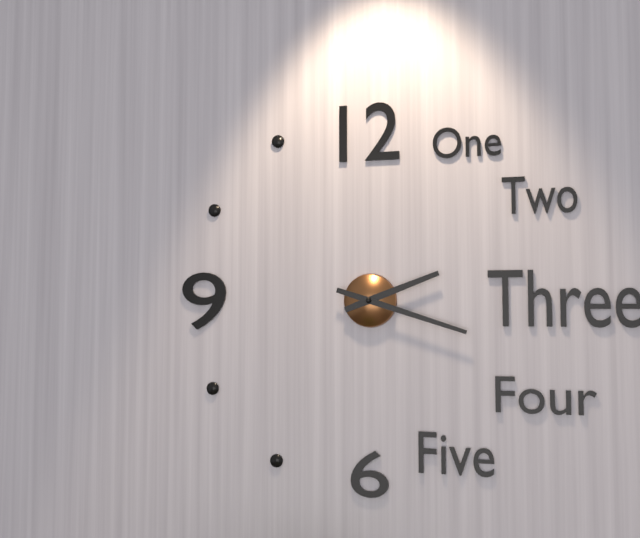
2:18
